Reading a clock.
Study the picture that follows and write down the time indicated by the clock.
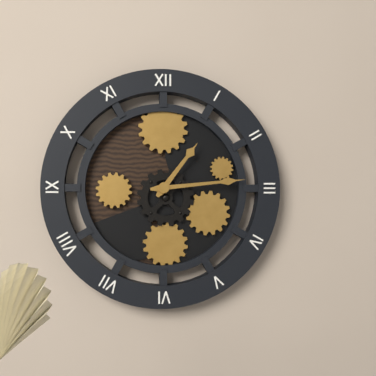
1:14
